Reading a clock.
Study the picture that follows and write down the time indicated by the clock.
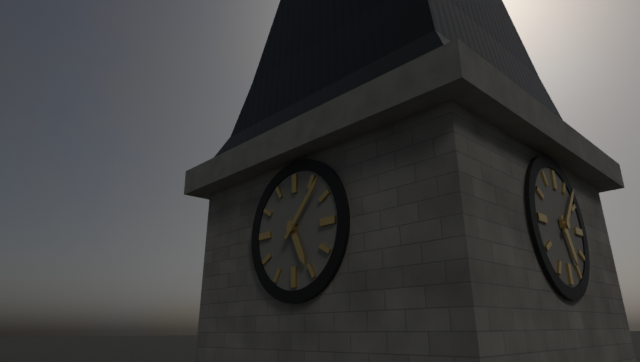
5:07
